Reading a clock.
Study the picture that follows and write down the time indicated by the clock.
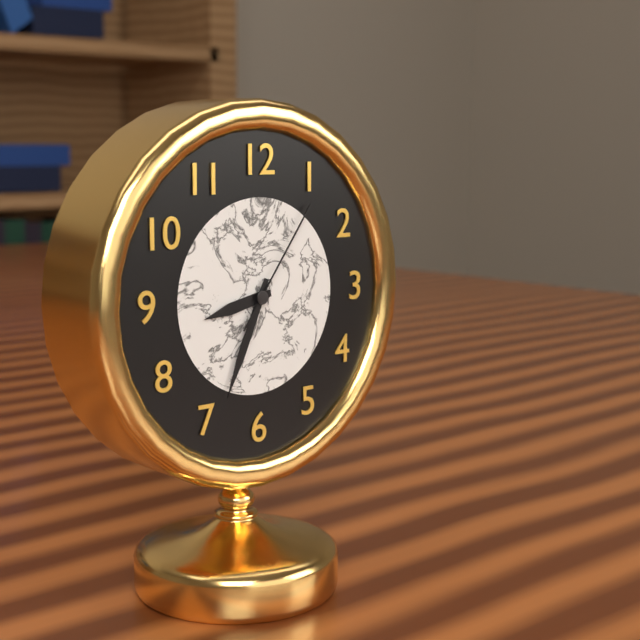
8:34:06
